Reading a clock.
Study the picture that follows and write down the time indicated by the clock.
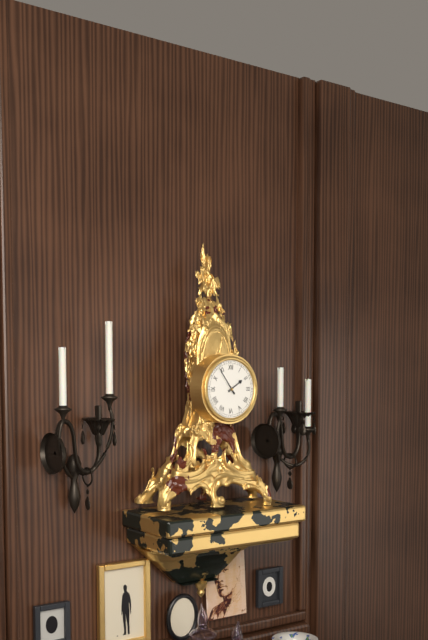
1:54
